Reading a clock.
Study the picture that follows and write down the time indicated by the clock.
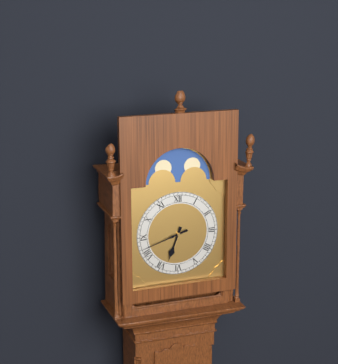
6:42
